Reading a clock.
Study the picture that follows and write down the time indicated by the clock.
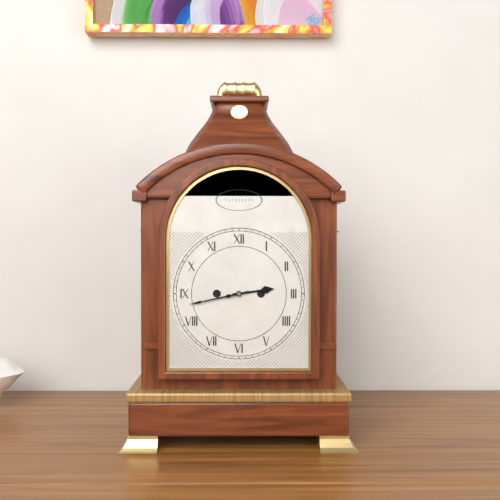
2:43
